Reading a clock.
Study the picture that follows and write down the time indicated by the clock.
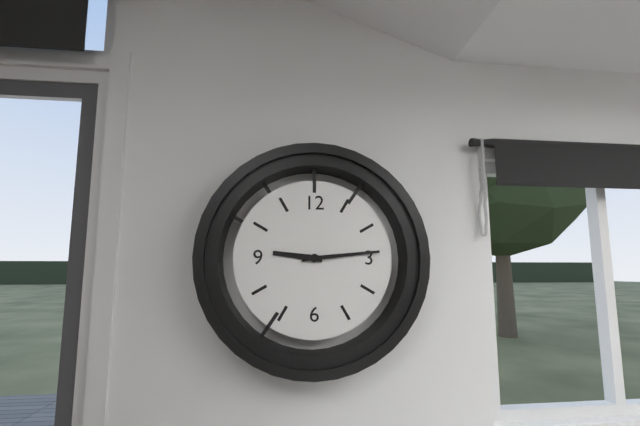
9:14
